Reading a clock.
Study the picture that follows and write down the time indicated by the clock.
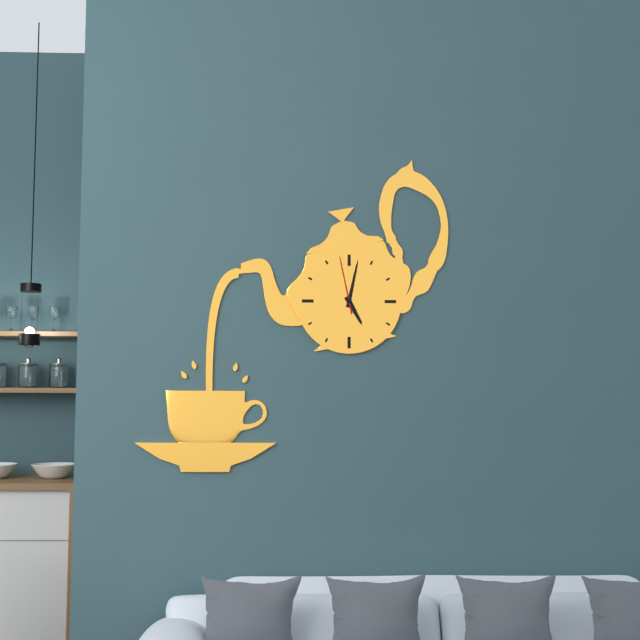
5:02:58
